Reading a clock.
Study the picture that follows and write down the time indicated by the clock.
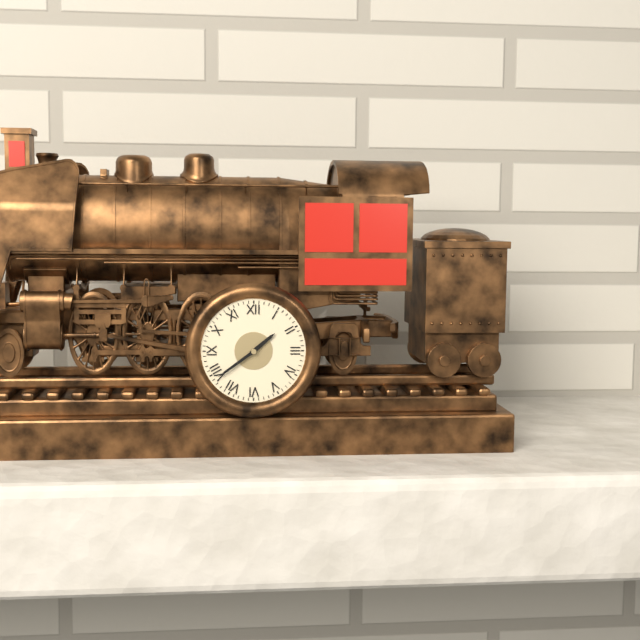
1:39
